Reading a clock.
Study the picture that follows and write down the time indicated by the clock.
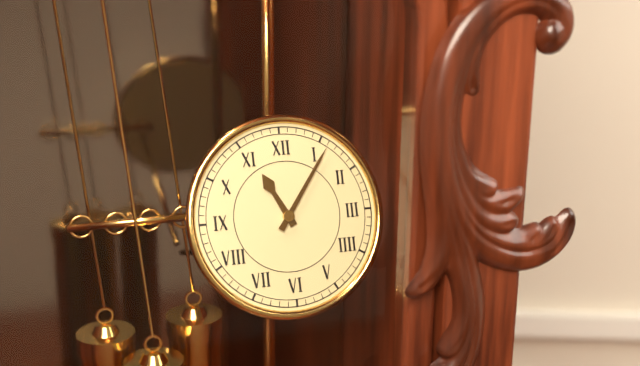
11:06
